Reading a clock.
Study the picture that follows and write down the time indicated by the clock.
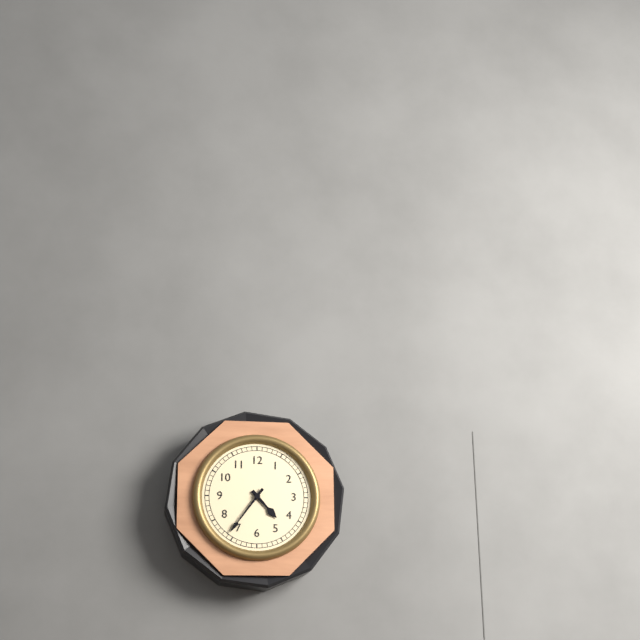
4:36
